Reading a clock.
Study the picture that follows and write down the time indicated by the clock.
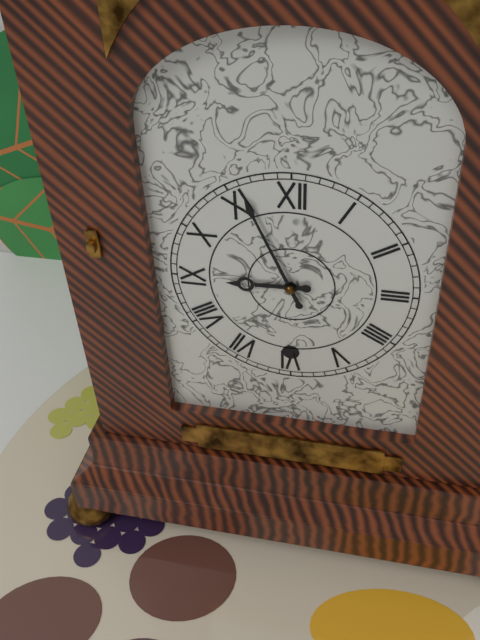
8:56
